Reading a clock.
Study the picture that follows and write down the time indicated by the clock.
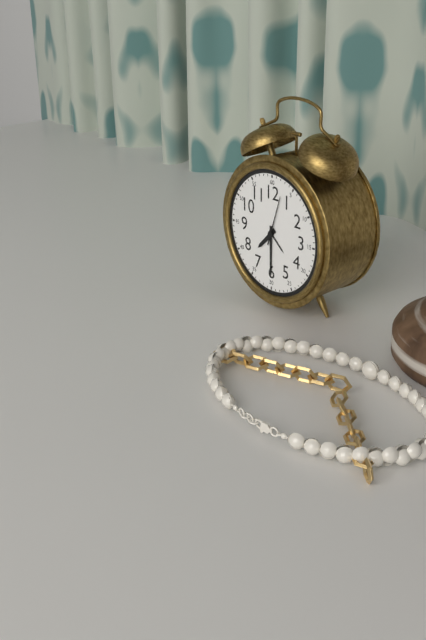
7:30
